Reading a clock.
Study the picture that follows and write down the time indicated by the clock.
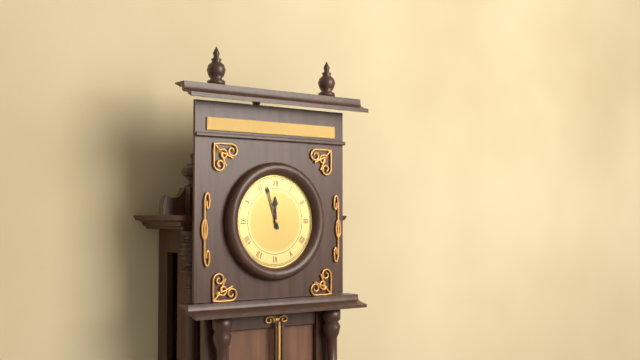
11:57
